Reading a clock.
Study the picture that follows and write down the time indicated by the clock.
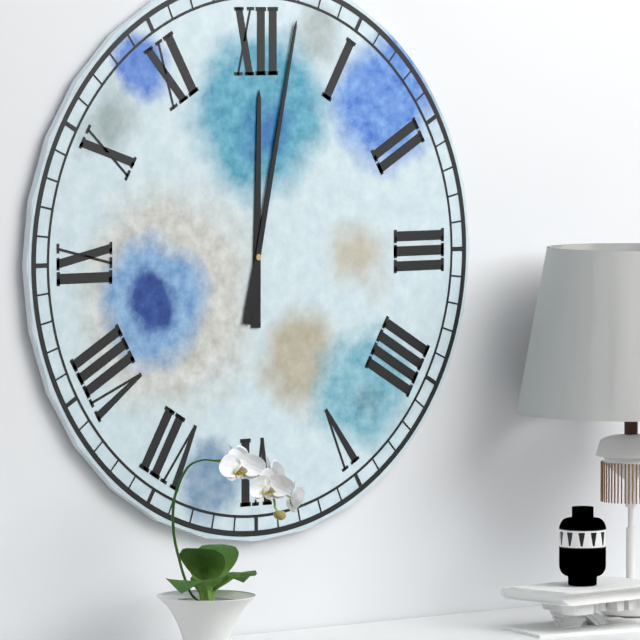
12:02
